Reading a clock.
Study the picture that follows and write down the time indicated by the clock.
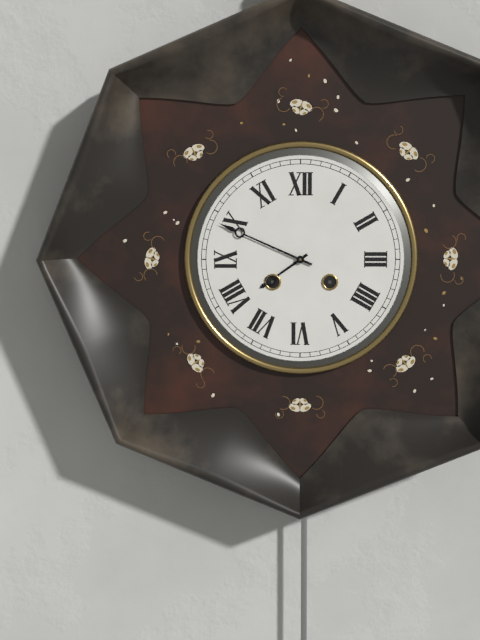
7:49
